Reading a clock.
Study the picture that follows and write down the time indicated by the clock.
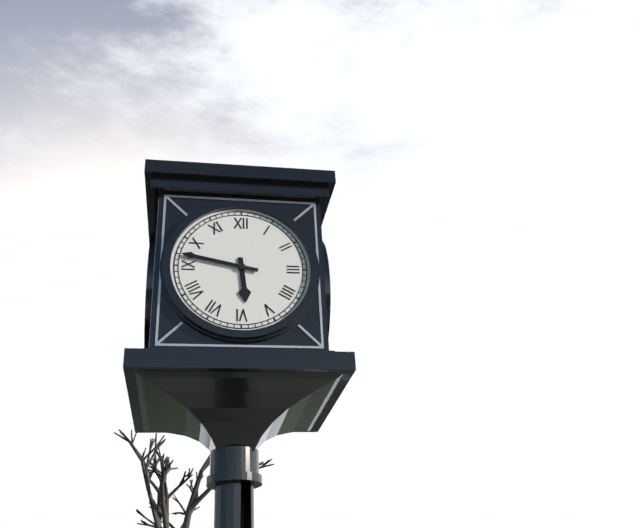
5:47
